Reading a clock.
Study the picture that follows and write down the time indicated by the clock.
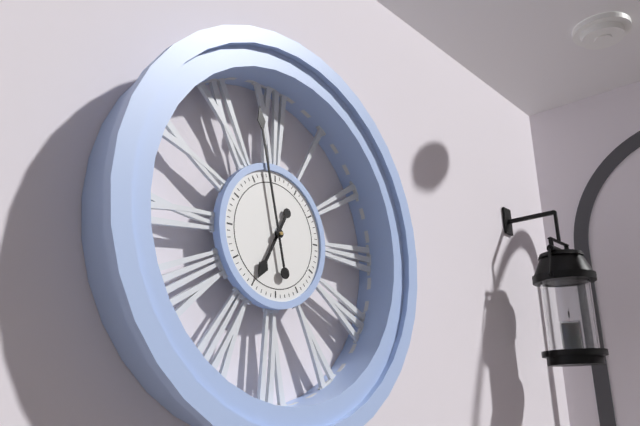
6:58
